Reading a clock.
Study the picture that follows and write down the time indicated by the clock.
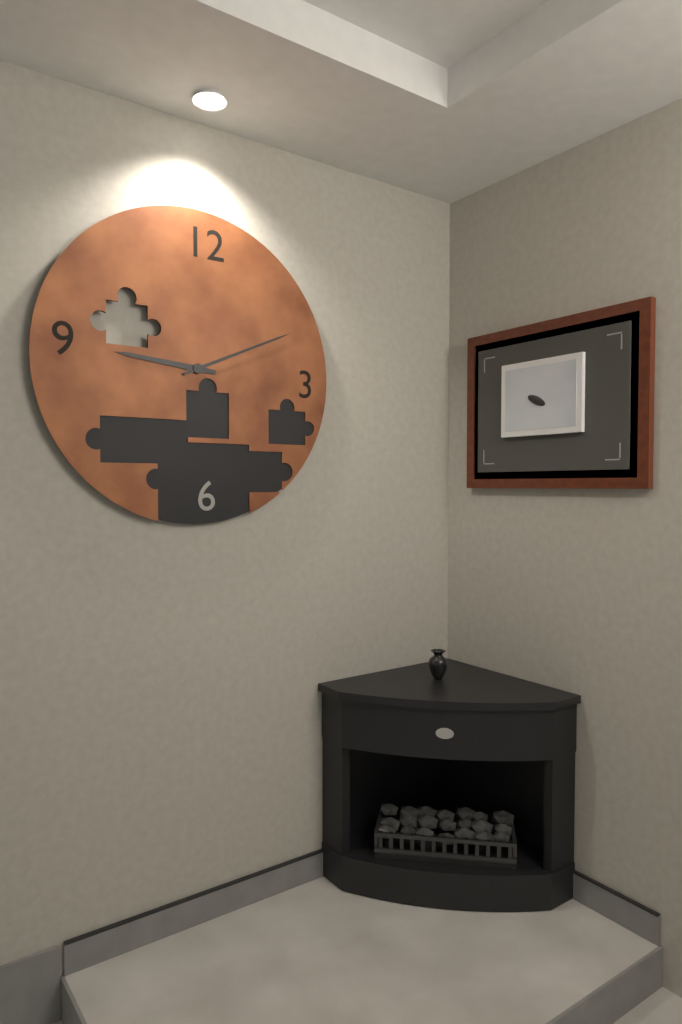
9:11
